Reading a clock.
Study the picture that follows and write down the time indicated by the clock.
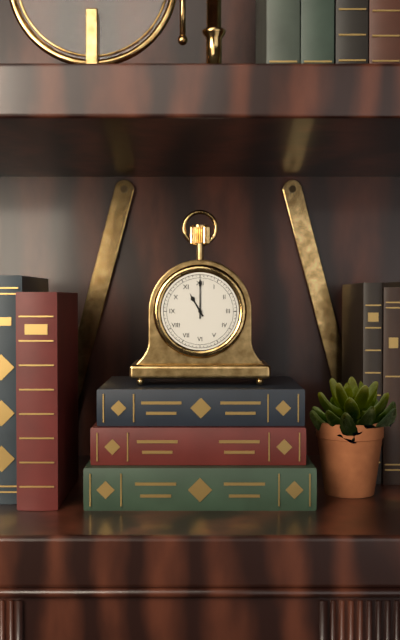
11:00
